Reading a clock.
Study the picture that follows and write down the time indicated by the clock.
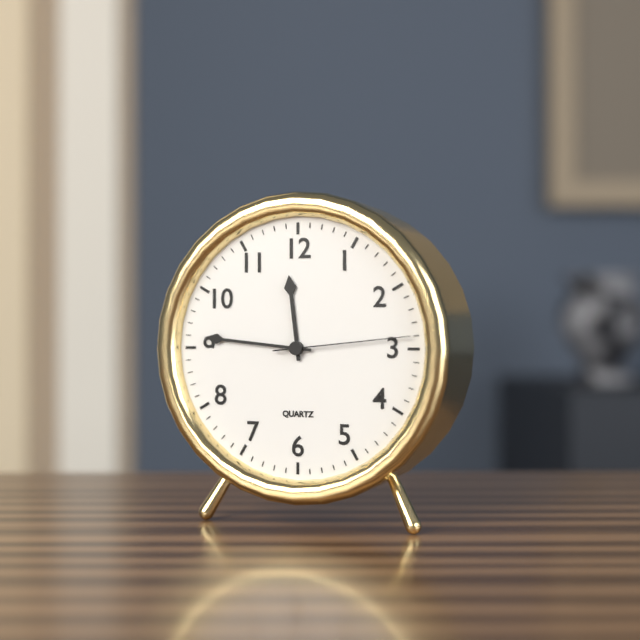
11:46:14
